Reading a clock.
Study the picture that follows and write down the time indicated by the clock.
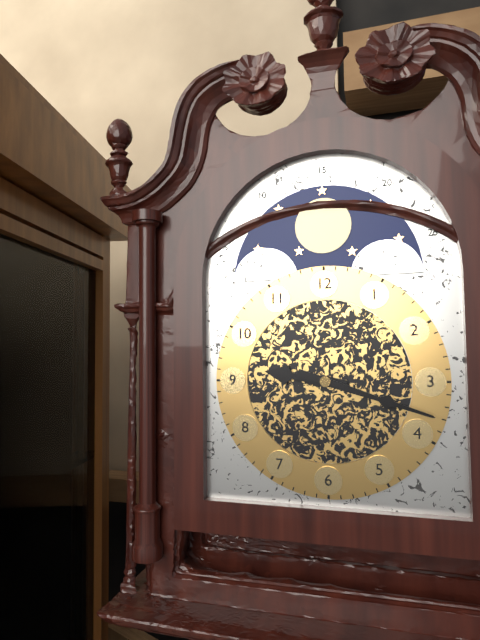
9:18
